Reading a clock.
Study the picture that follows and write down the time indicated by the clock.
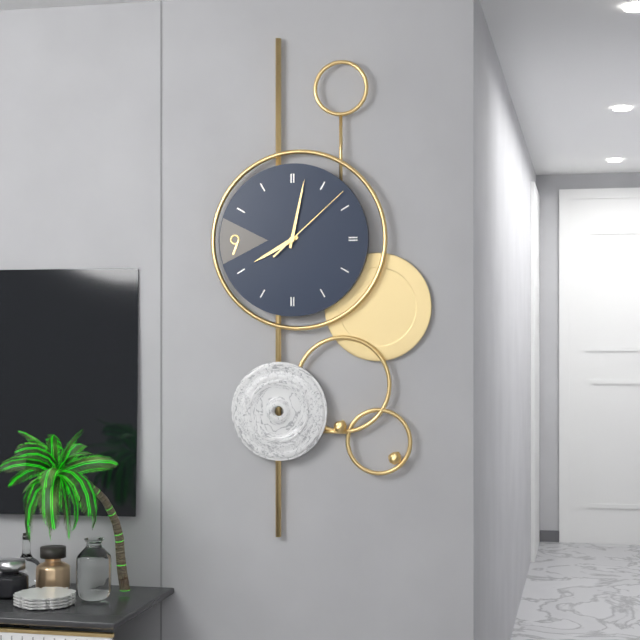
8:02:08
